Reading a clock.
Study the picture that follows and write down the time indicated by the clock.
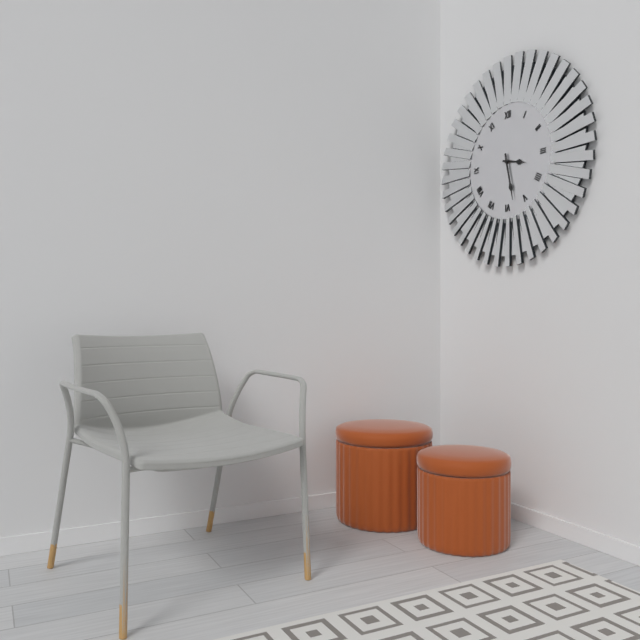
3:28
